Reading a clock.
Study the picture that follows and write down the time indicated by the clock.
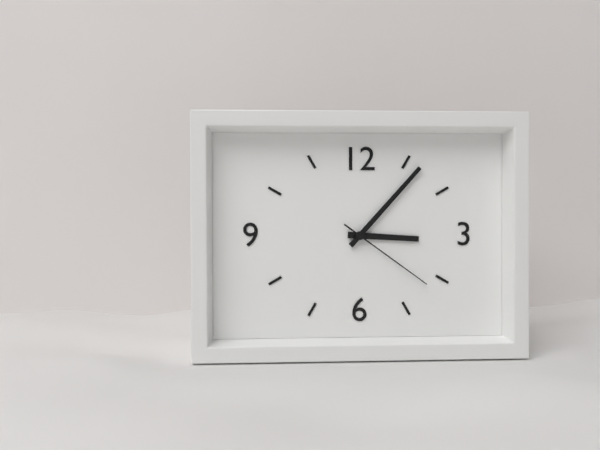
3:07:21
